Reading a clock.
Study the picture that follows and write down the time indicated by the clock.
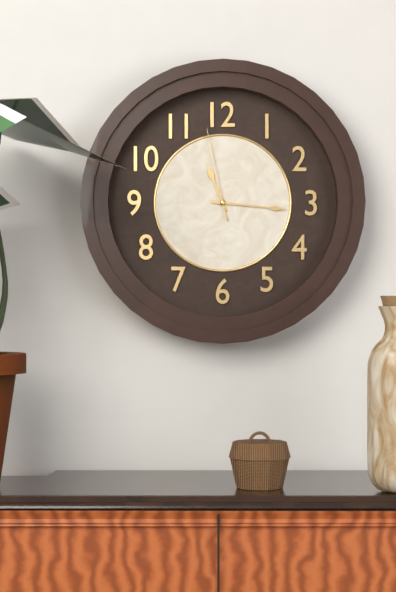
11:16:58
